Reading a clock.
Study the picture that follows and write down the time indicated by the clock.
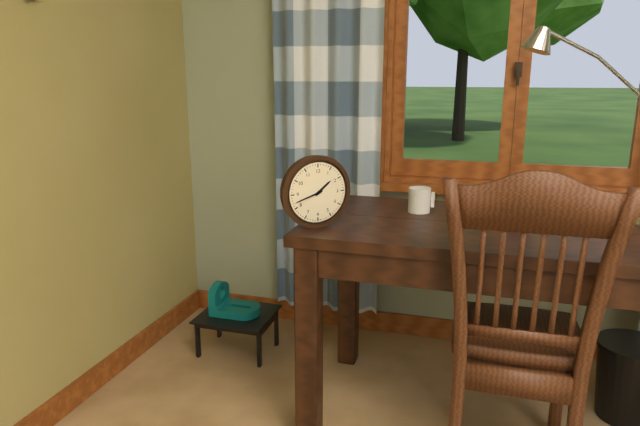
1:42
